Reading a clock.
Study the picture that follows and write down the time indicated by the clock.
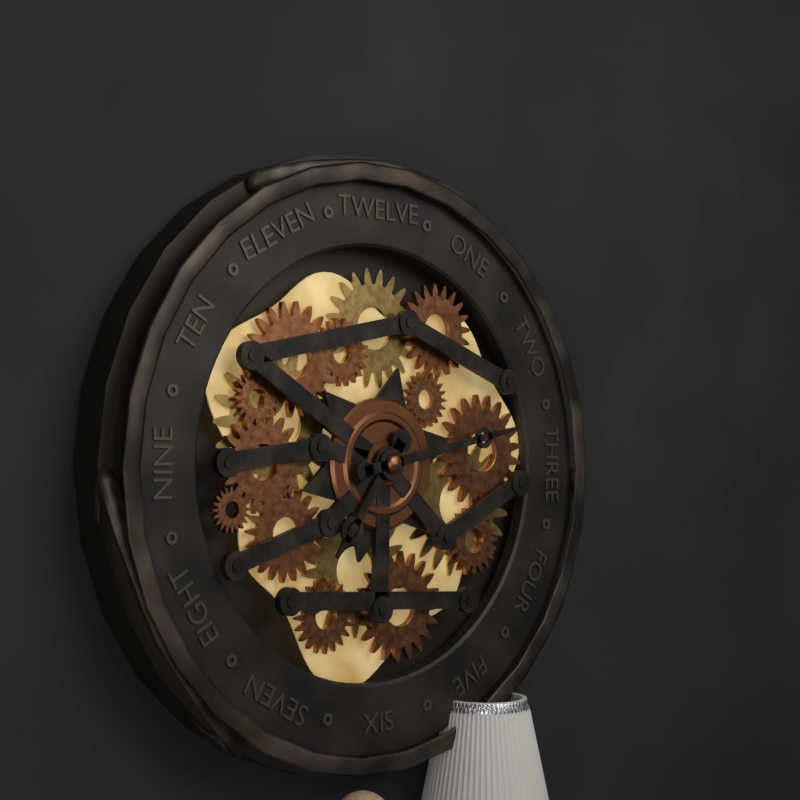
7:13
